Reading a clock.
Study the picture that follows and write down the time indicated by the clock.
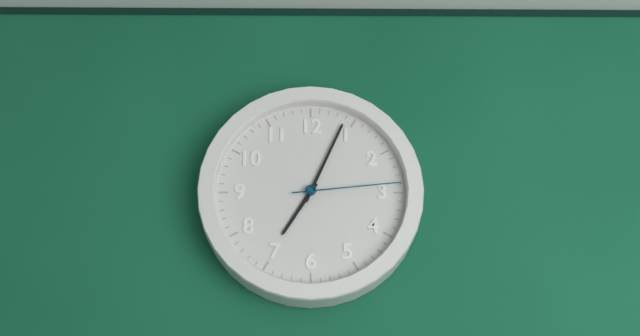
7:04:14
